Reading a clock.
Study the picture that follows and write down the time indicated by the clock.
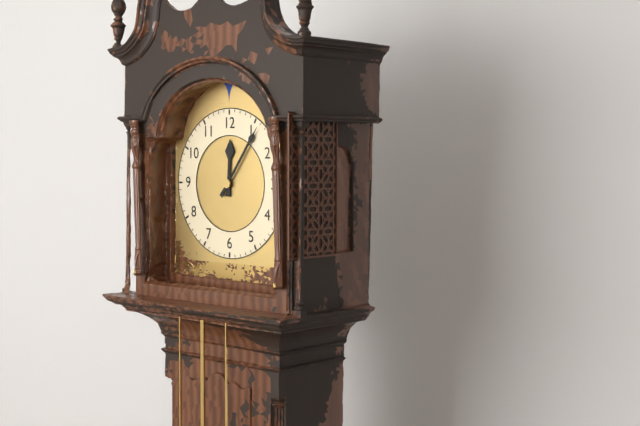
12:06
